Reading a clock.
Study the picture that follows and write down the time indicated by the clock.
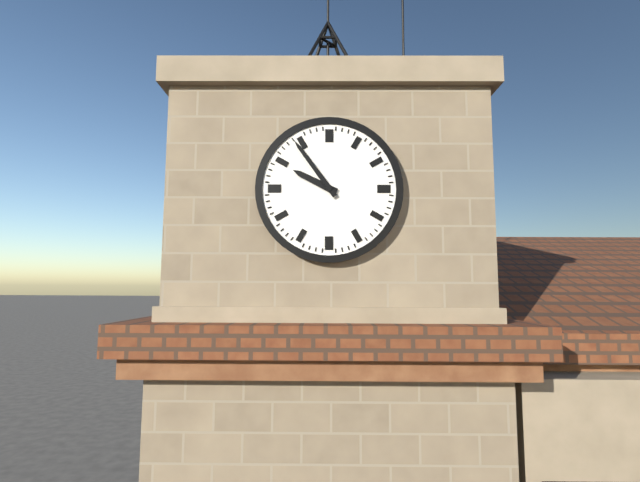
9:54
